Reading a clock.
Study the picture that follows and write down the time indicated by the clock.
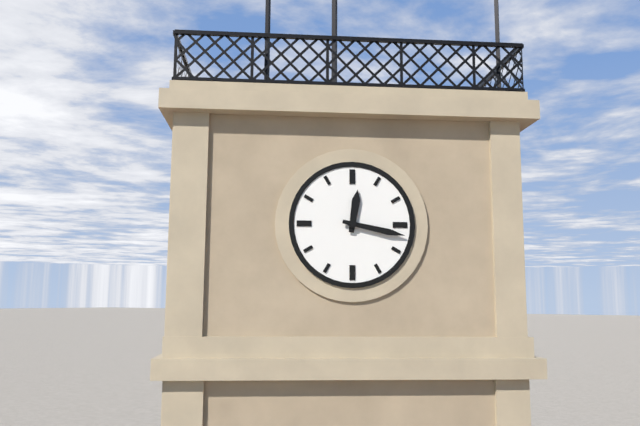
12:17
